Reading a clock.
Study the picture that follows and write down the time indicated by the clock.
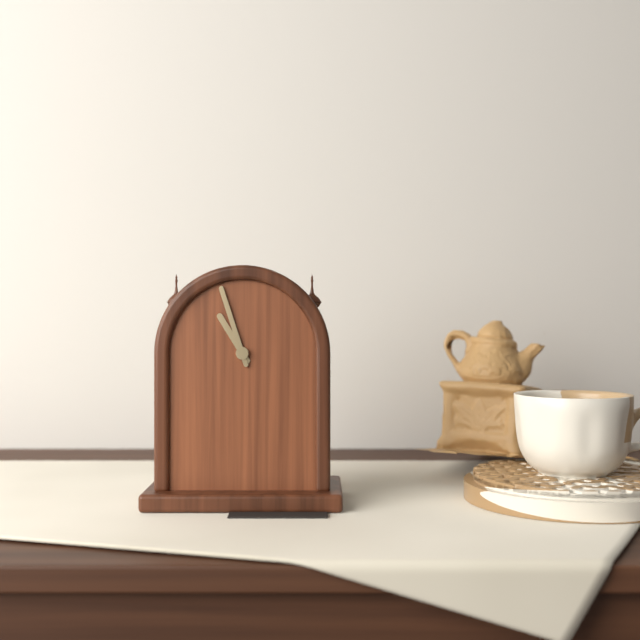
10:57
